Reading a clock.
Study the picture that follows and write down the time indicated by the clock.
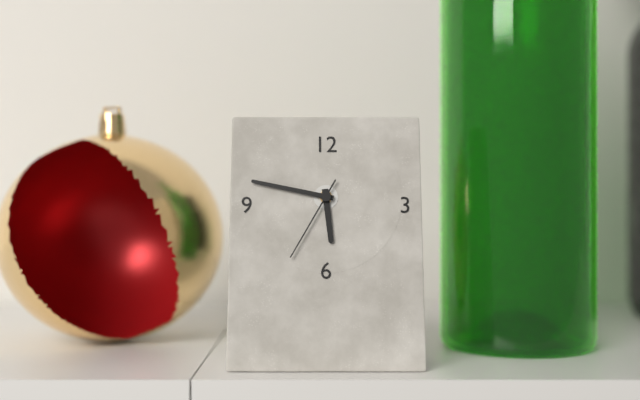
5:47:35
